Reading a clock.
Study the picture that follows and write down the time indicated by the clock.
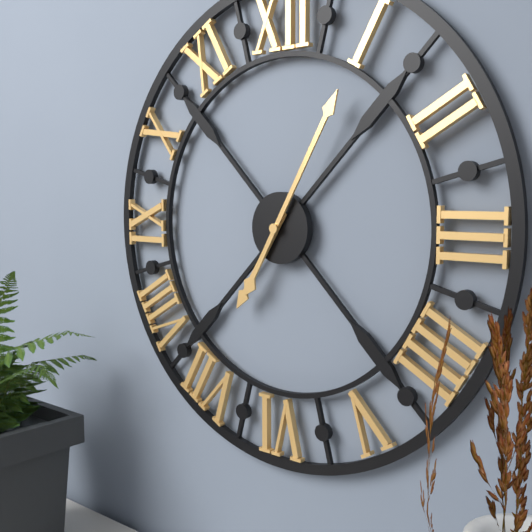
7:05
